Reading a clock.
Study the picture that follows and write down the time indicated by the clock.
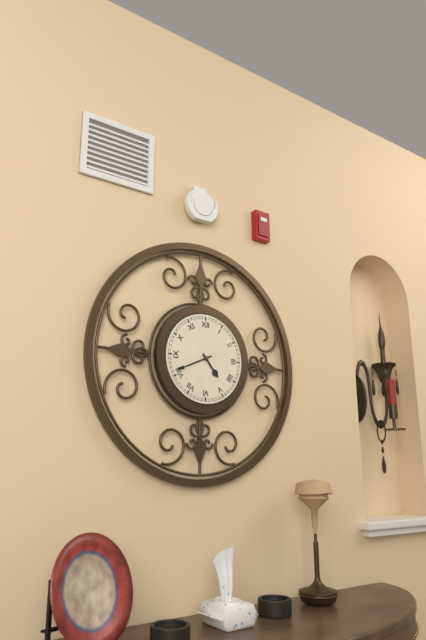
4:41
